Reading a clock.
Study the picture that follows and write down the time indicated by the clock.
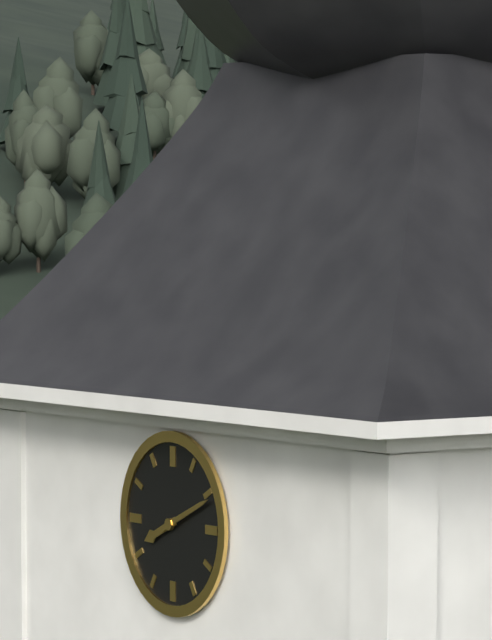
8:11
